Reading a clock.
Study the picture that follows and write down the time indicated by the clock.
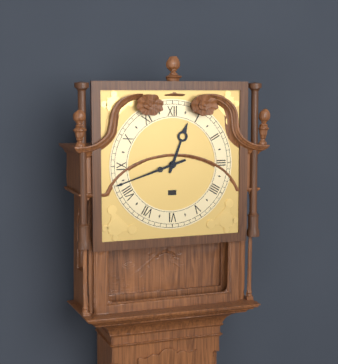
12:42
